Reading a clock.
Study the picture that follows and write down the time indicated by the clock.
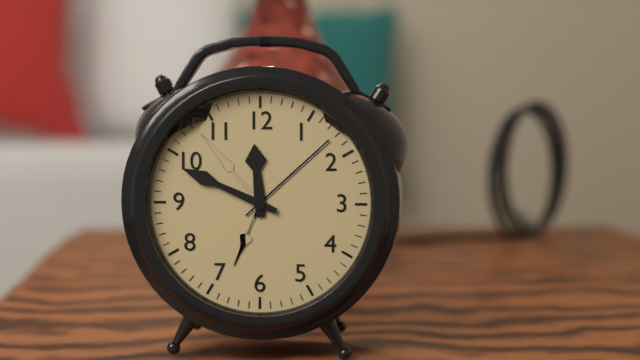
11:49
